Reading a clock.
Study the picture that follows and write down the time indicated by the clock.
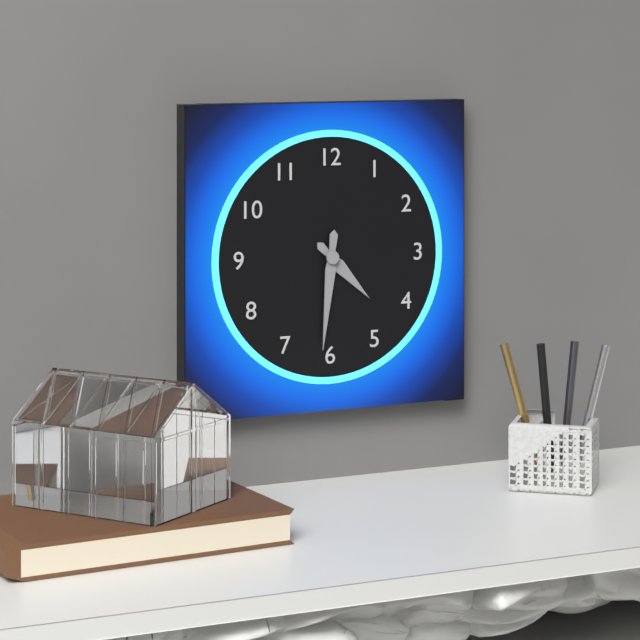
4:31
